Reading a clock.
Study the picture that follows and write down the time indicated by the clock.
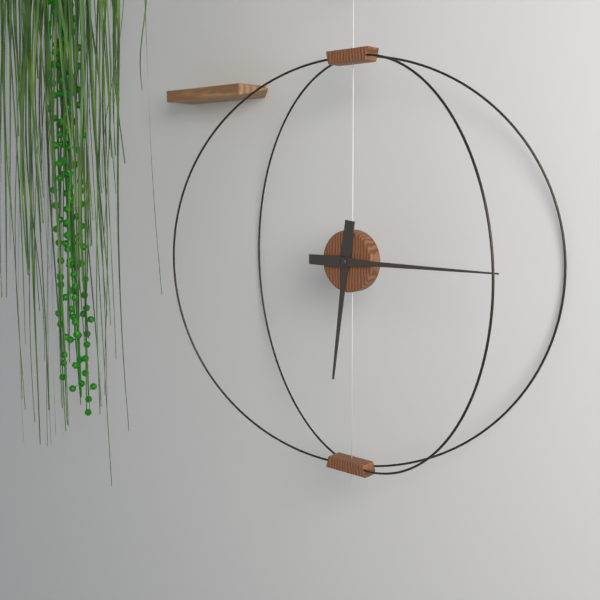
6:15
